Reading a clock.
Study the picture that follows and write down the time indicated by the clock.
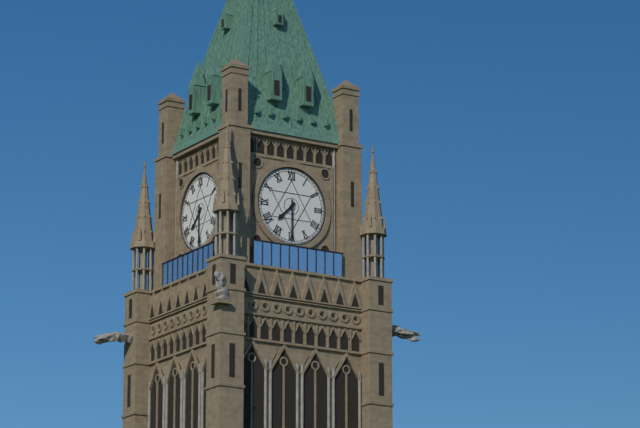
7:30
